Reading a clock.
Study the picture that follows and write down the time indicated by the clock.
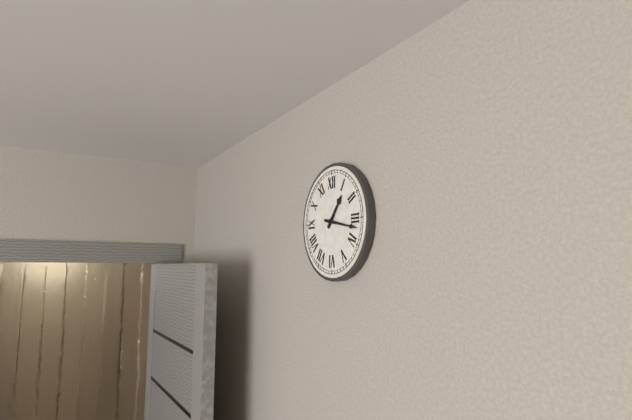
1:17
